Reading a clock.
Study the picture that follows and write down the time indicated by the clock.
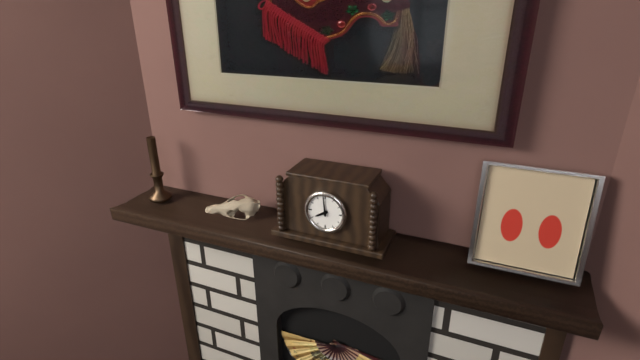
7:59
